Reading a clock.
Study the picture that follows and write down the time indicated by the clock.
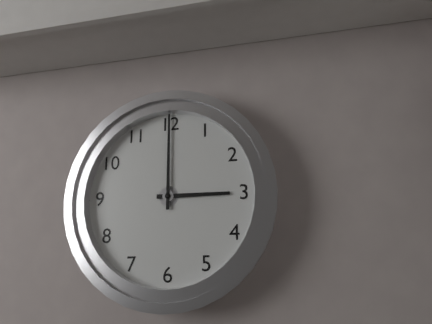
3:00
